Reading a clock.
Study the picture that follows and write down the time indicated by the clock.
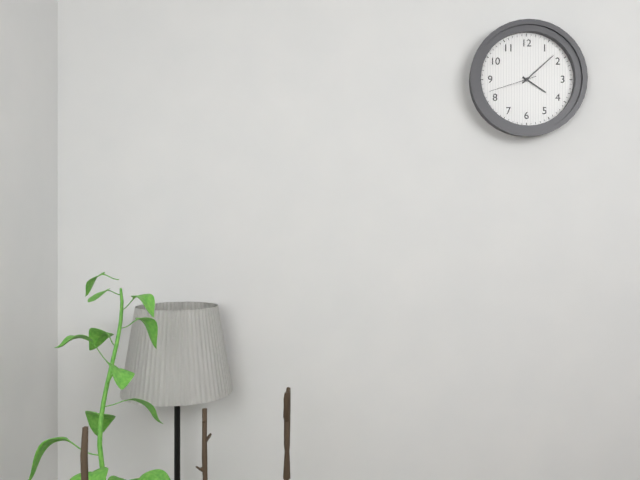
4:08:42
